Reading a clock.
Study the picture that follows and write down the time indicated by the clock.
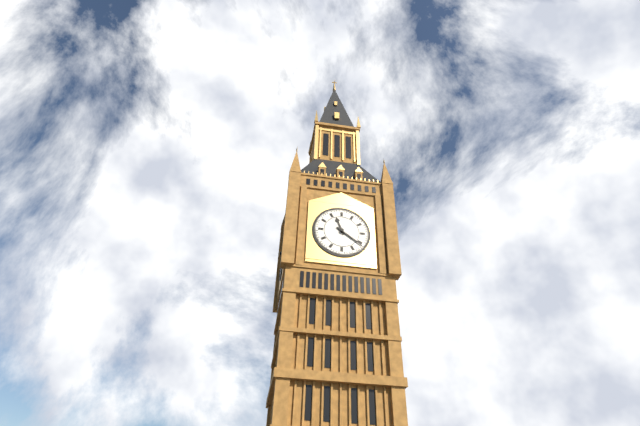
11:21
